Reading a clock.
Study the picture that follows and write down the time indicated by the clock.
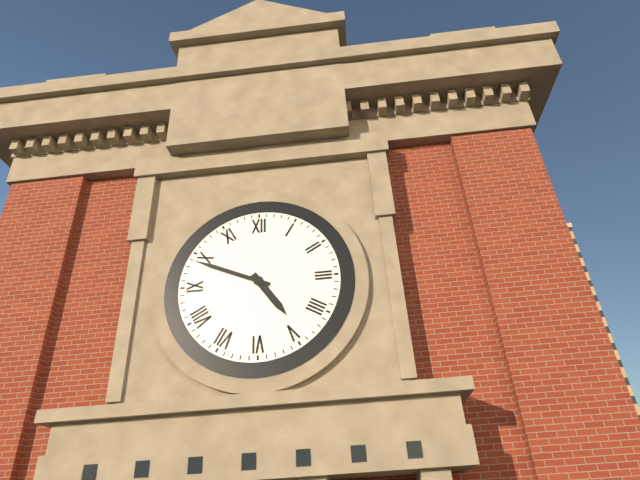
4:49
